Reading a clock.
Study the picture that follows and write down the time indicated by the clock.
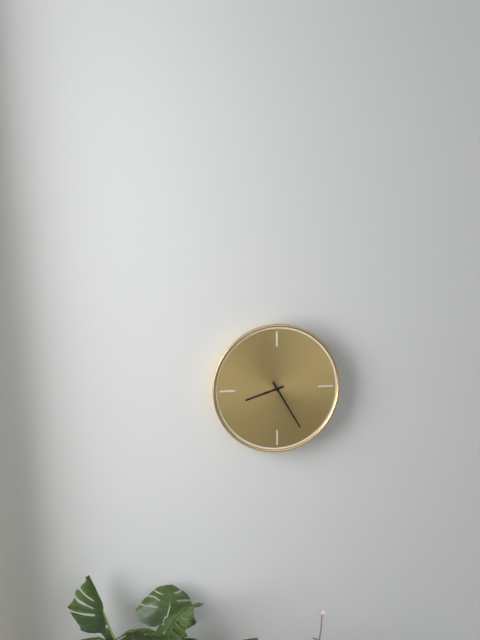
8:25
